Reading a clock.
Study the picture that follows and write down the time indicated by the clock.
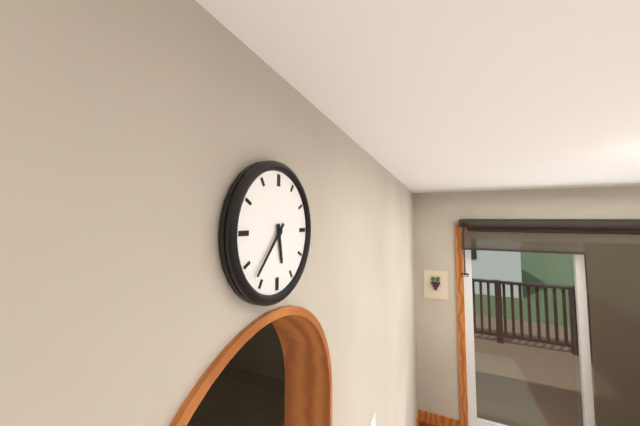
5:37
